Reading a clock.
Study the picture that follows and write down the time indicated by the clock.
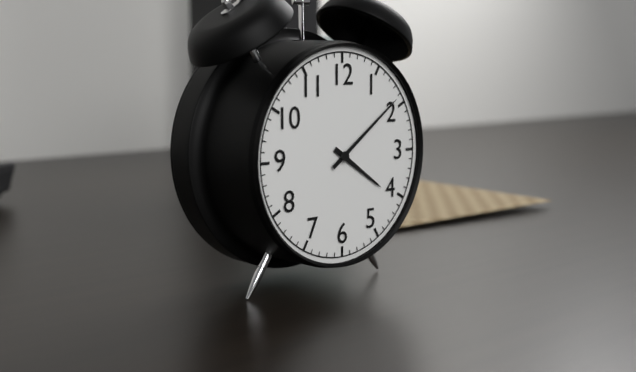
4:09
